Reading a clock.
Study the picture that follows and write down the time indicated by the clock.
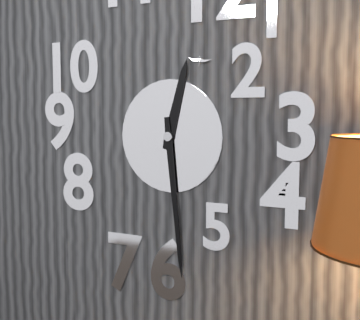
12:29
